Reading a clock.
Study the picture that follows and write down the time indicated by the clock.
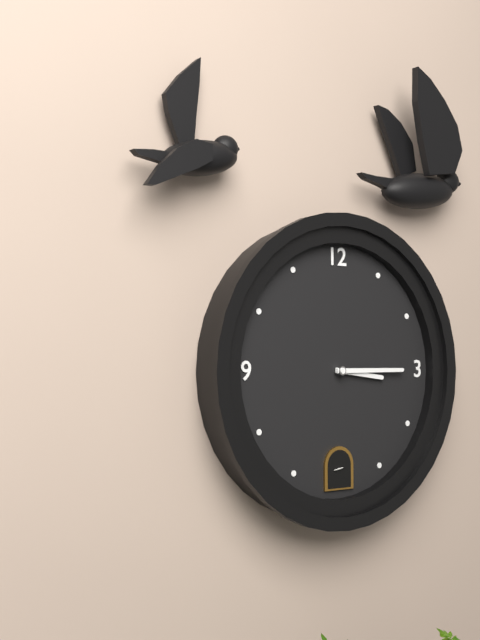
3:15
